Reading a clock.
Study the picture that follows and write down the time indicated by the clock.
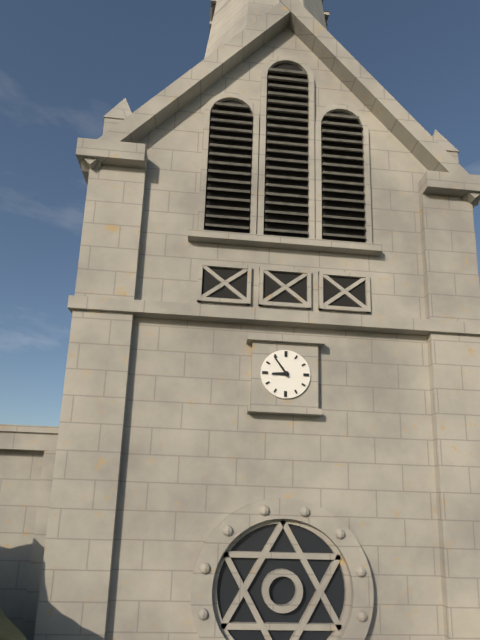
8:54
